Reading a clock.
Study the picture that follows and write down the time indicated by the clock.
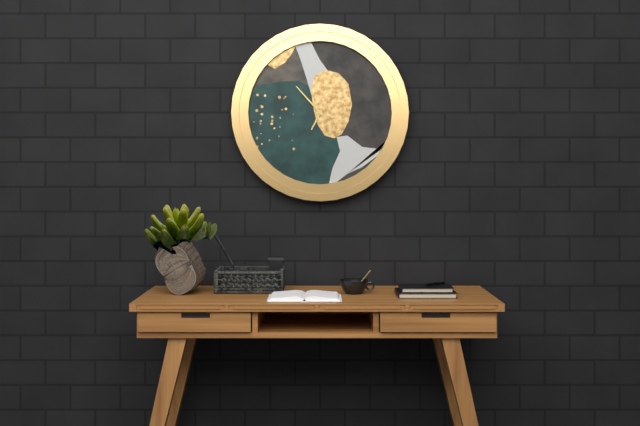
6:53
